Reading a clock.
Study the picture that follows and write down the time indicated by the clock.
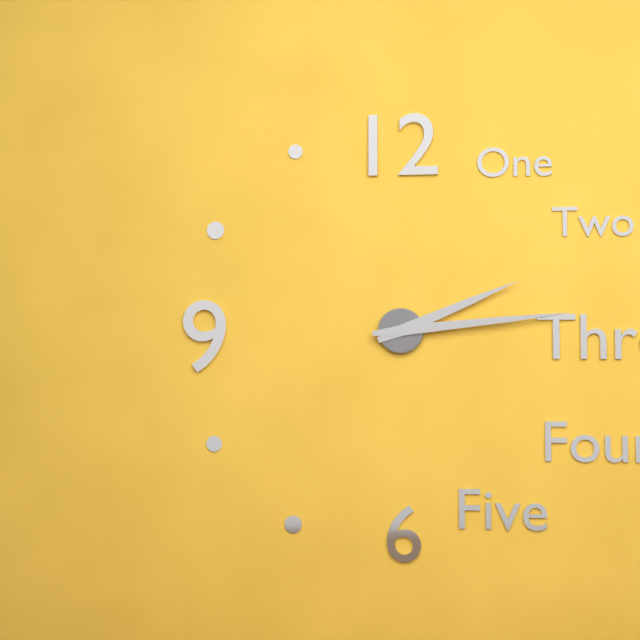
2:14
